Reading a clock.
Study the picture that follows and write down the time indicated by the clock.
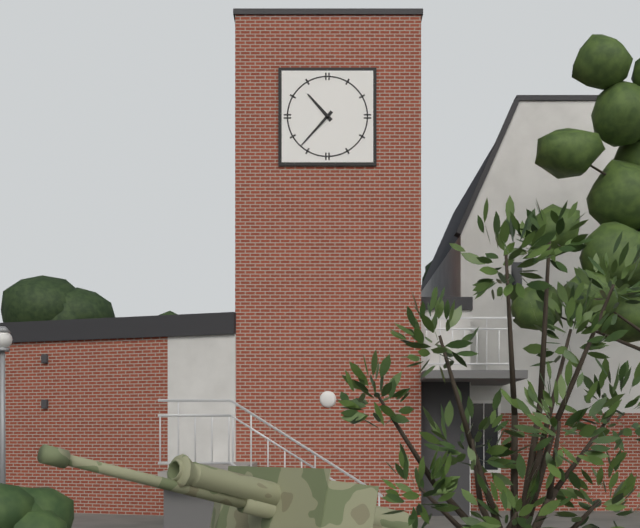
10:37
